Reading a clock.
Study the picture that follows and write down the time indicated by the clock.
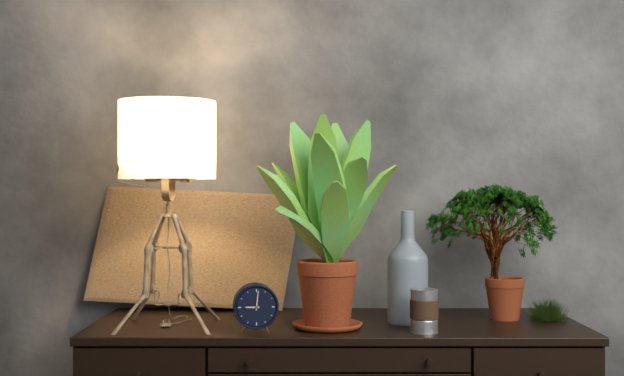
9:01
